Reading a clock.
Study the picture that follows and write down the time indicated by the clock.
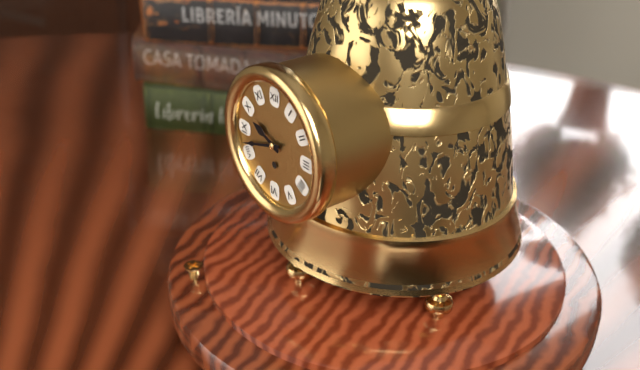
9:42
